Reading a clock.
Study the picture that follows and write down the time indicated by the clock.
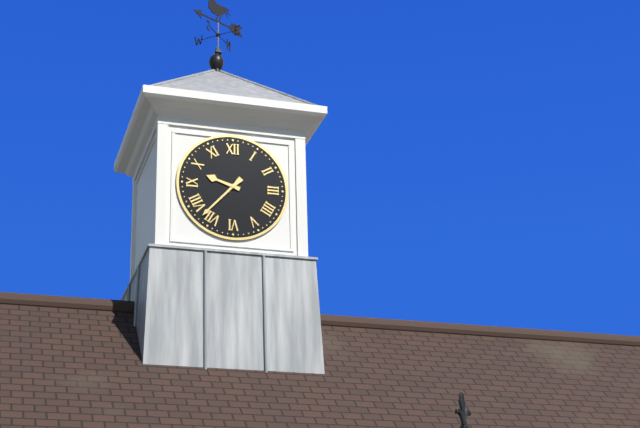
9:37
